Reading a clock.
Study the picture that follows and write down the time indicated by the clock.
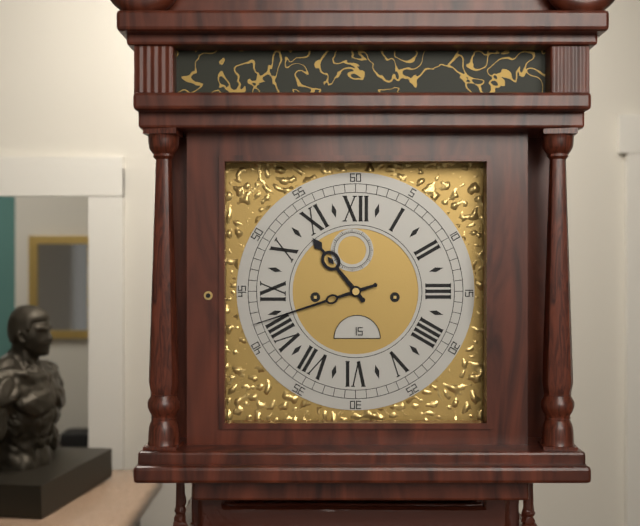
10:42
